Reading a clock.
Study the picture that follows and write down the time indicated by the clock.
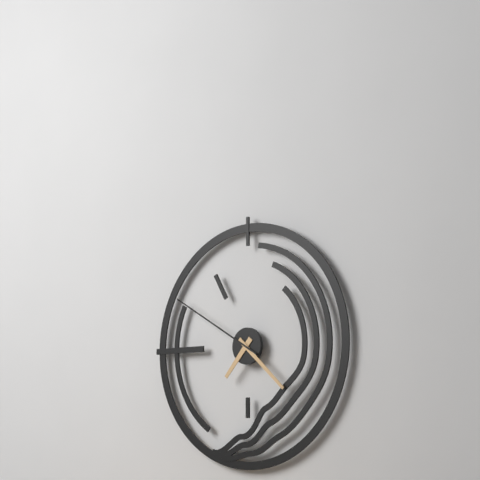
7:22:50
